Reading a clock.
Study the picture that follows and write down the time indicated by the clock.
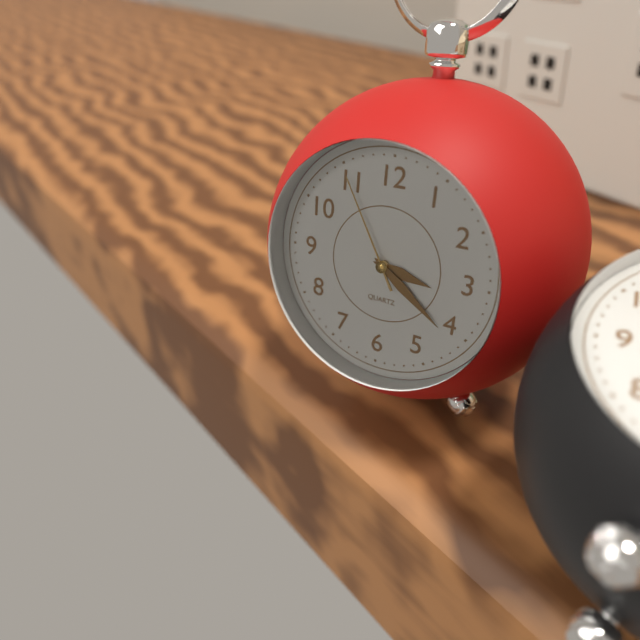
3:21:55
